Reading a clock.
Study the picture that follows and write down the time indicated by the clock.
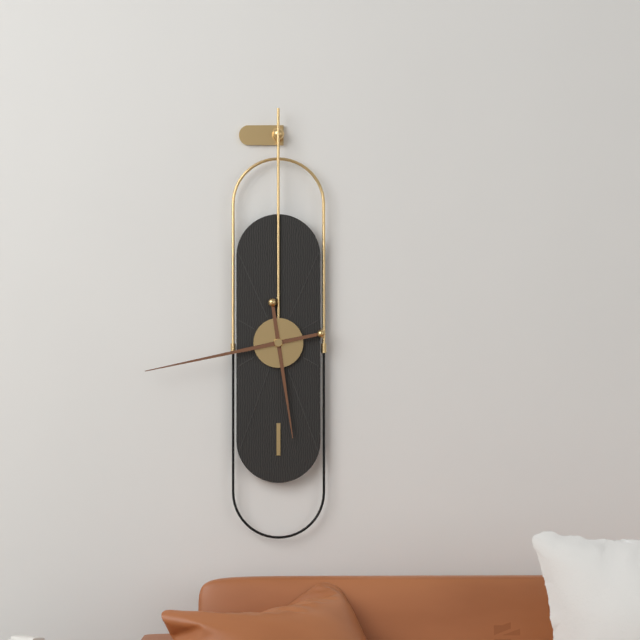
5:43
